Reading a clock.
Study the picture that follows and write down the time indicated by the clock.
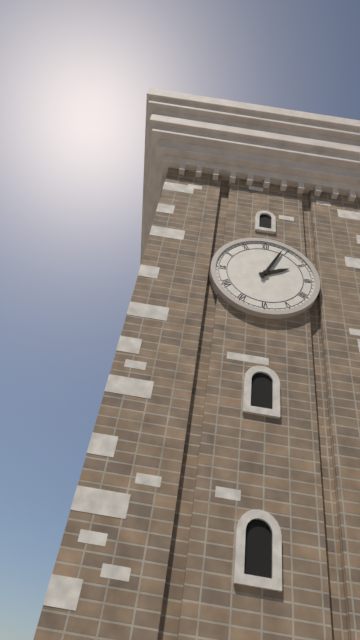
2:04
